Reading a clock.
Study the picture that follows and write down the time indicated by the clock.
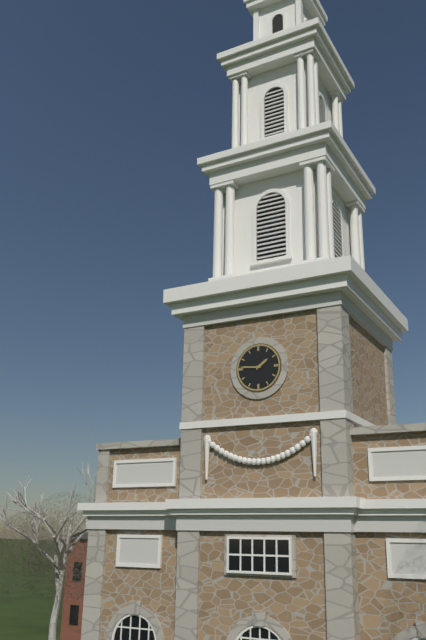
1:46
